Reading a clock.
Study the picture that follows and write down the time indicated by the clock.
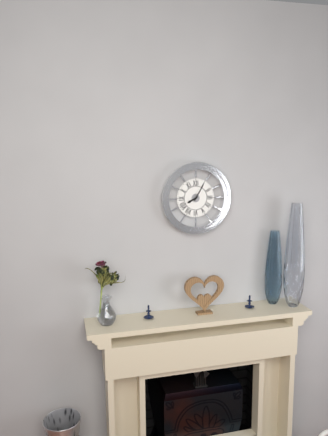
8:05
